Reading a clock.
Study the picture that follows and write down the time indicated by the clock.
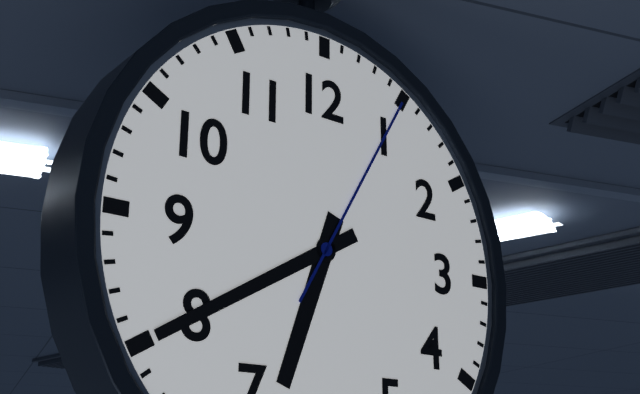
6:40:05
